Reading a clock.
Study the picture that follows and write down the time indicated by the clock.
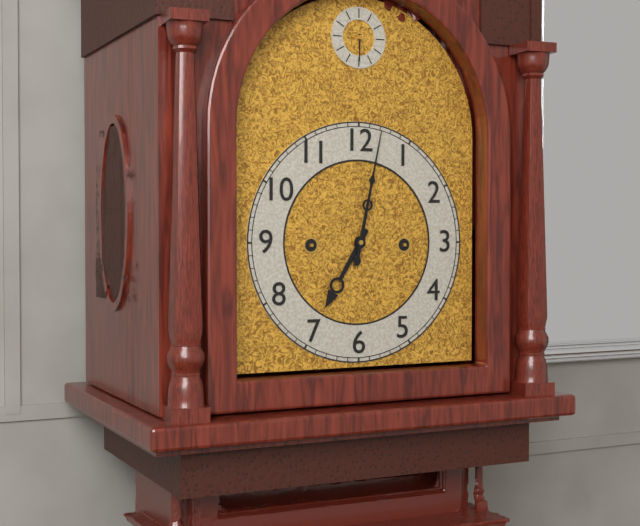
7:02
